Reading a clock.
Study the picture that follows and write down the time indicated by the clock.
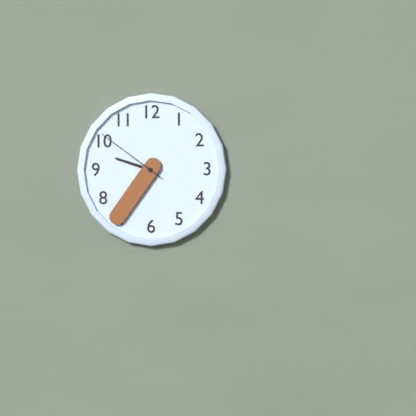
9:36:51
